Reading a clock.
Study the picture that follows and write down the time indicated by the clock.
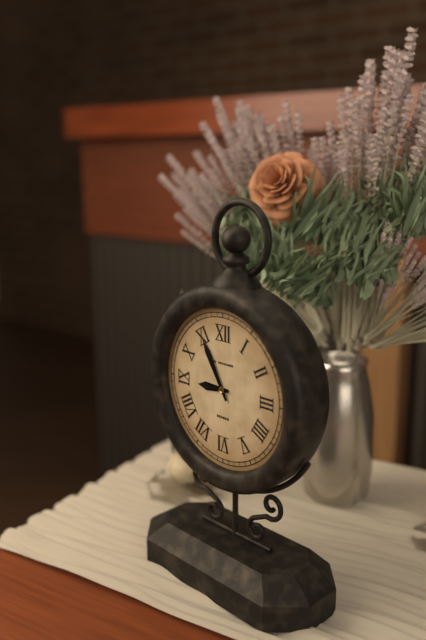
8:55
